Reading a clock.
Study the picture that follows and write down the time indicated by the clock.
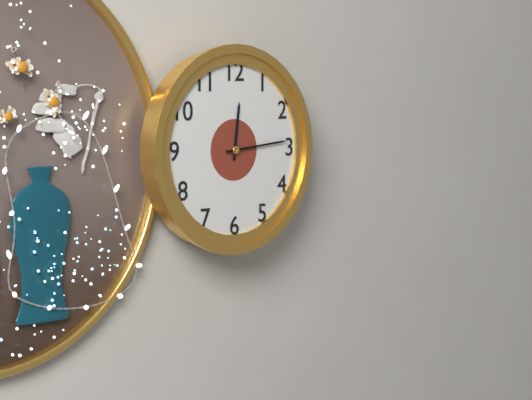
12:14
